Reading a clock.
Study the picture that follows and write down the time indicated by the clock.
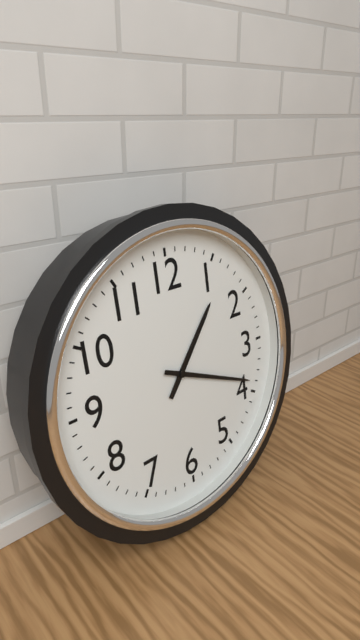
1:19
